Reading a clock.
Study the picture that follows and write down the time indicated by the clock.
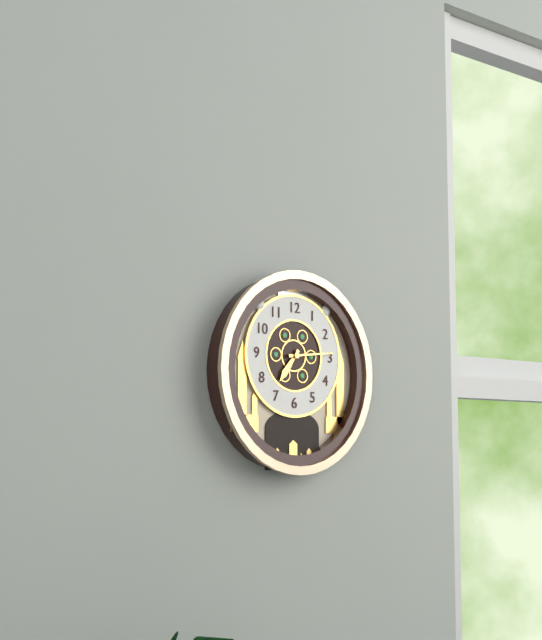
7:14
